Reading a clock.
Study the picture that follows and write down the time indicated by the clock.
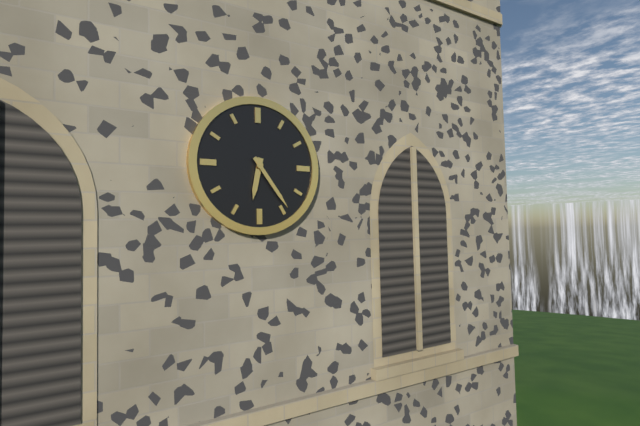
6:24
